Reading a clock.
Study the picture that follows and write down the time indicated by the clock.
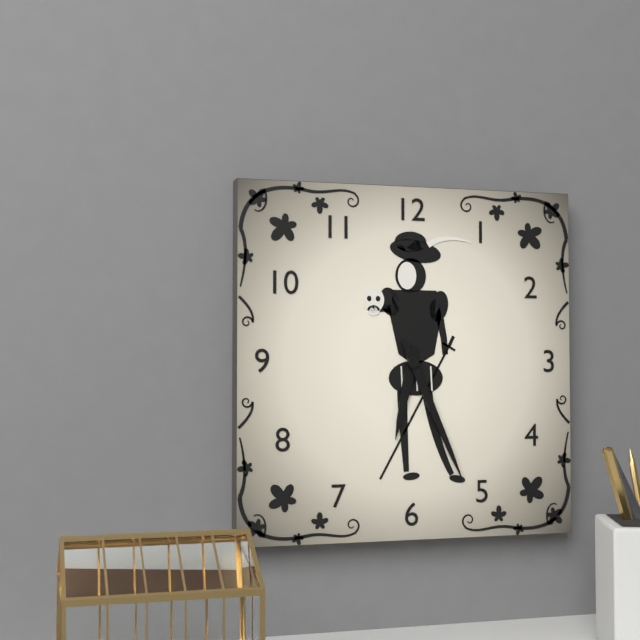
6:26
